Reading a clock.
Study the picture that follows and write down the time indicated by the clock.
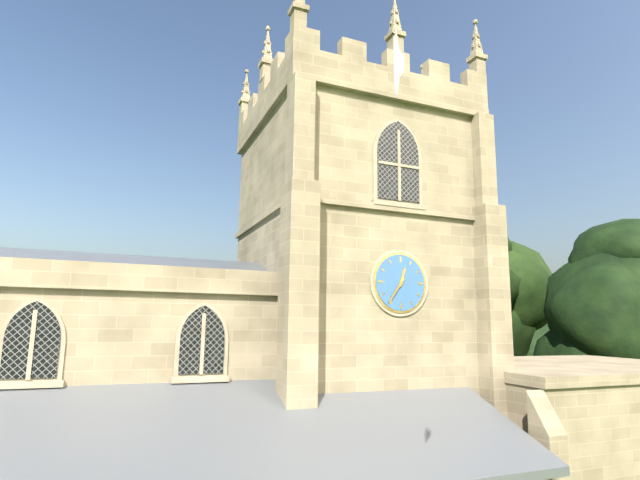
12:36
